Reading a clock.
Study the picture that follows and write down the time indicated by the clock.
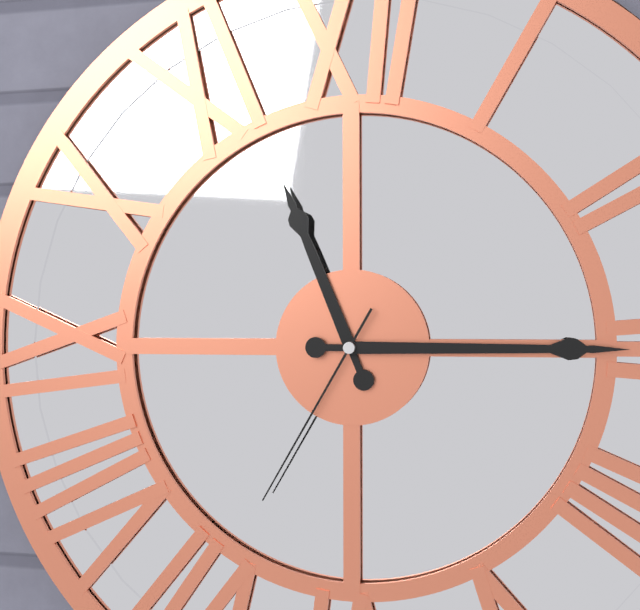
11:15:35
